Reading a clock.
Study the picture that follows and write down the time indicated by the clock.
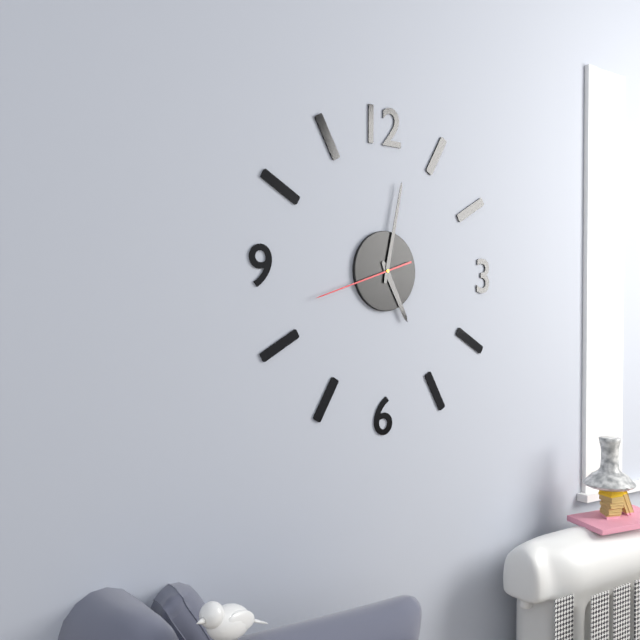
5:02:42
